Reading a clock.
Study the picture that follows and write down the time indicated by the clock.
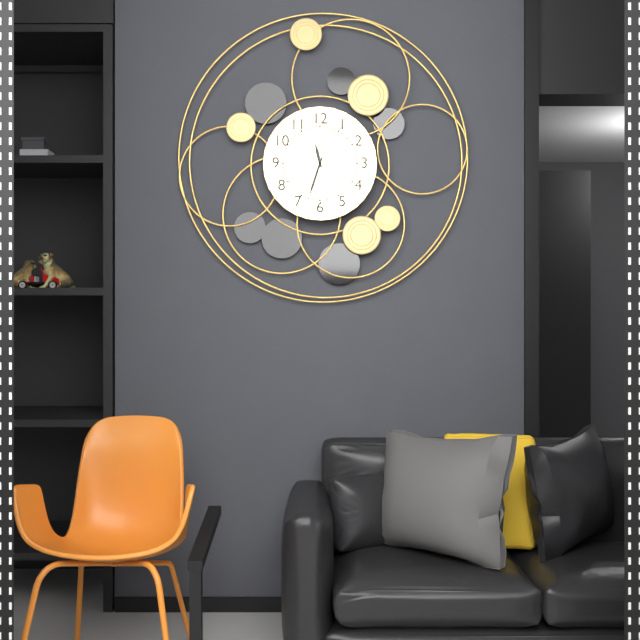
11:33:04
